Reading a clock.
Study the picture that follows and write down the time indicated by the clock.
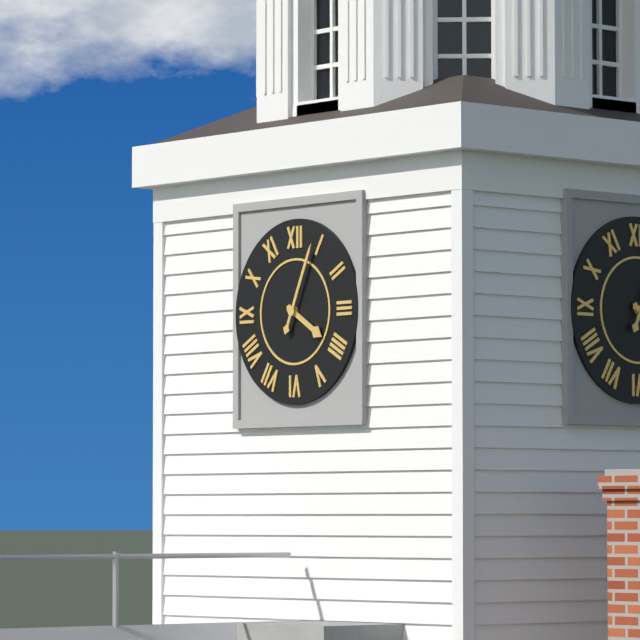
4:04
